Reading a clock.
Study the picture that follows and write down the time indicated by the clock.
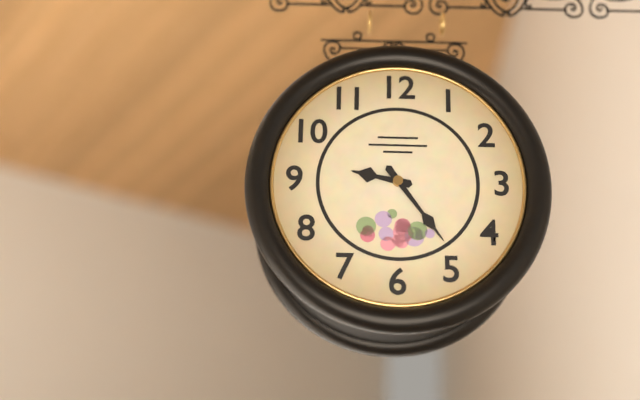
9:24
